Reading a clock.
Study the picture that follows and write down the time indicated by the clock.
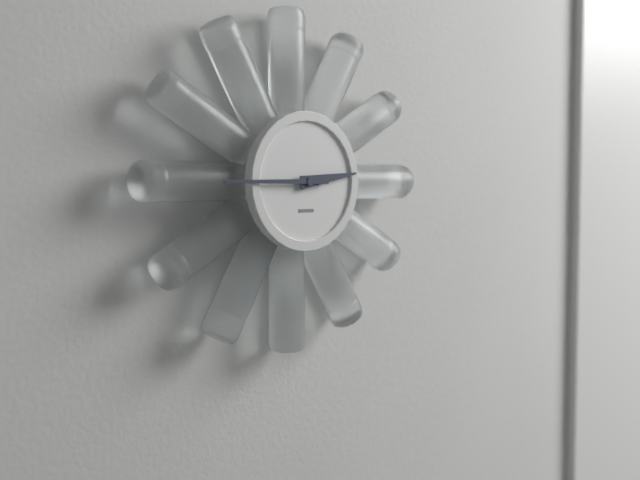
2:45
